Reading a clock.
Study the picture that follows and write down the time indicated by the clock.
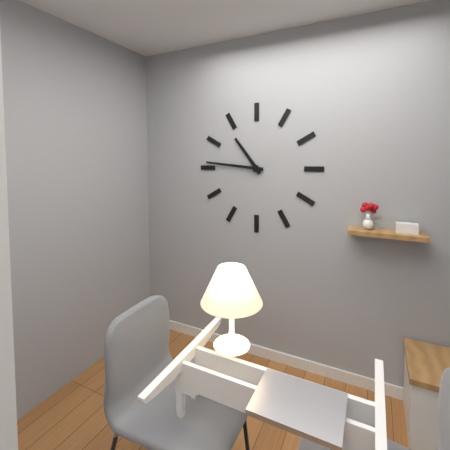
10:46
